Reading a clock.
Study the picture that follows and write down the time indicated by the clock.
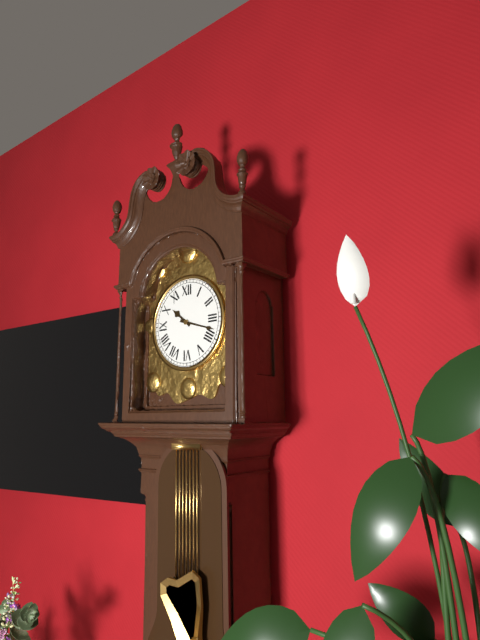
10:18
